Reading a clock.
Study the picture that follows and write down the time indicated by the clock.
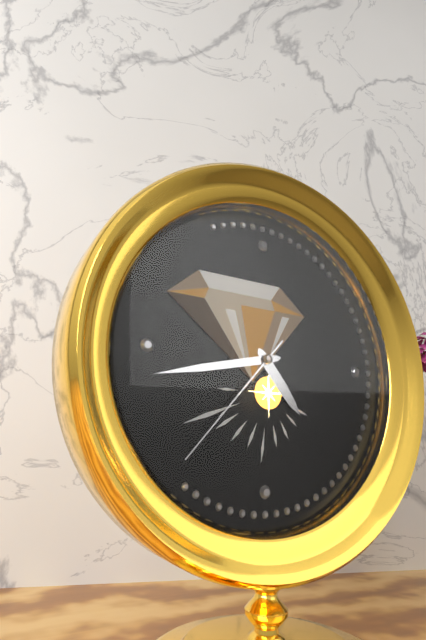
4:43:37
